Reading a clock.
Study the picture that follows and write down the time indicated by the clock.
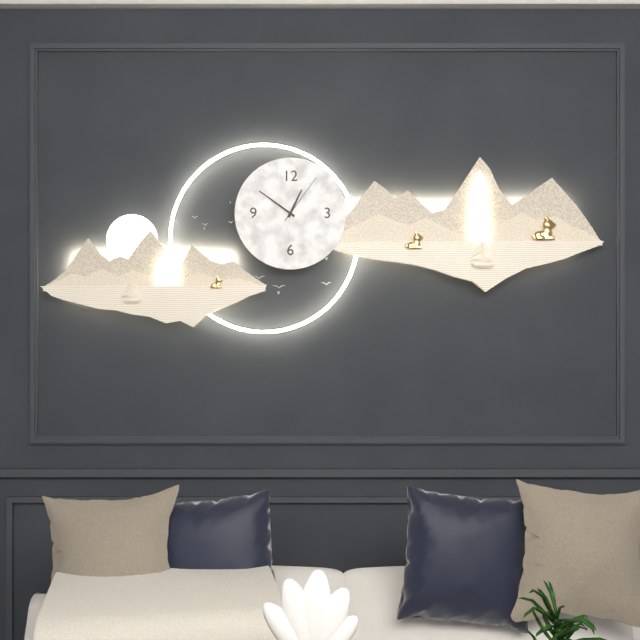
12:51:06
